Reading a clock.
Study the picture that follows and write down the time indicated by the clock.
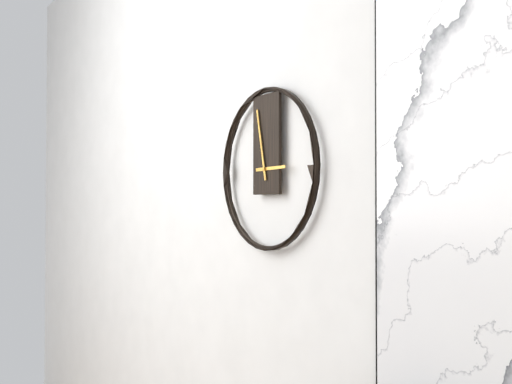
2:58
